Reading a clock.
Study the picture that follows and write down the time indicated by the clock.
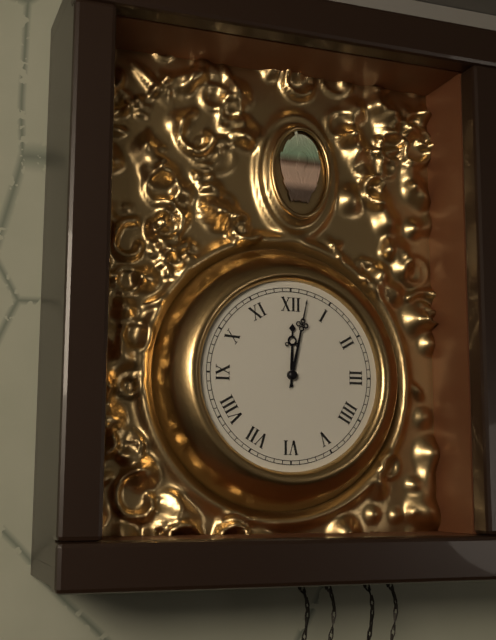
12:02
